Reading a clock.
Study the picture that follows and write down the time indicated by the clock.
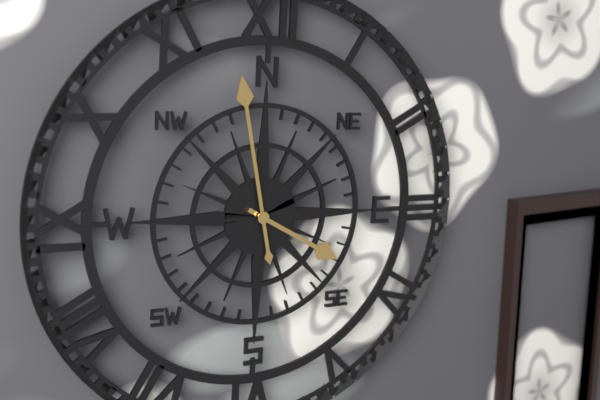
3:58
